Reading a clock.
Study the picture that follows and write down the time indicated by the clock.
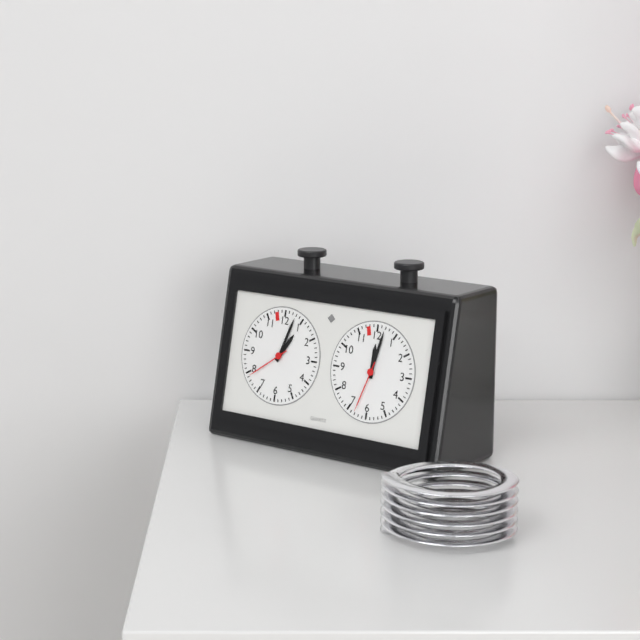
1:03
